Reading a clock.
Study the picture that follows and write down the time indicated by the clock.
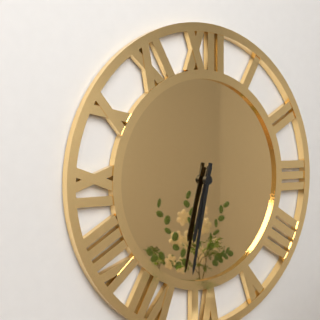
6:32
